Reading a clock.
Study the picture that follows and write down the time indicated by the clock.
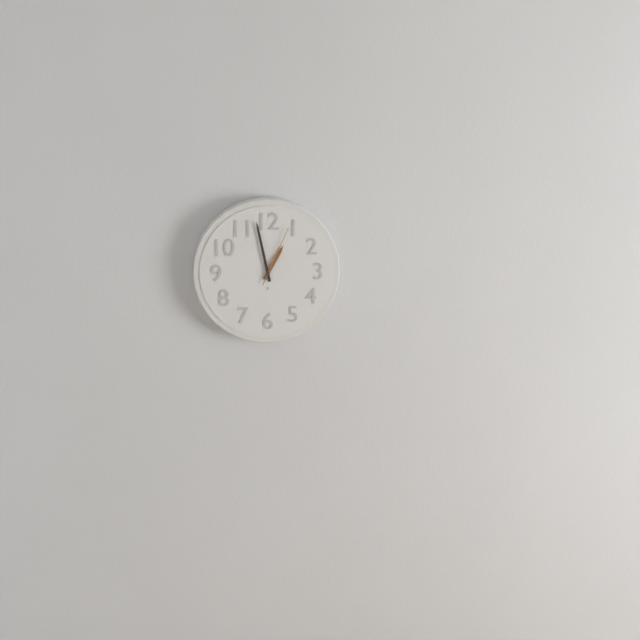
12:58:04
